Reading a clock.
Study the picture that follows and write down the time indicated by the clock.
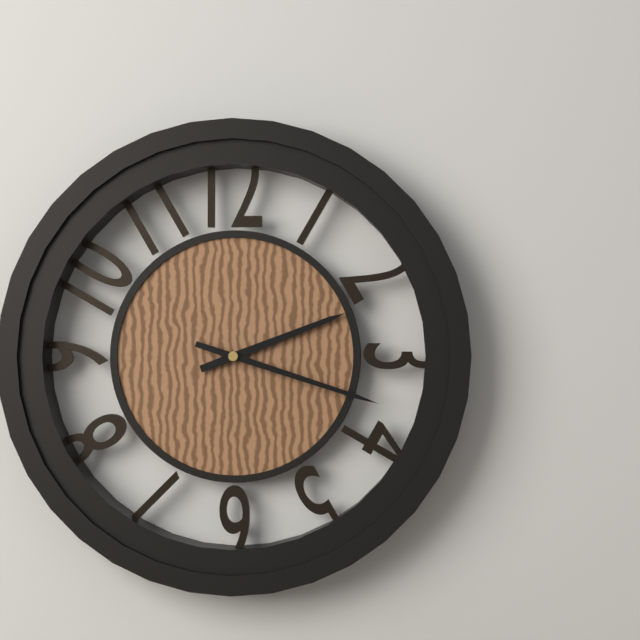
2:18
